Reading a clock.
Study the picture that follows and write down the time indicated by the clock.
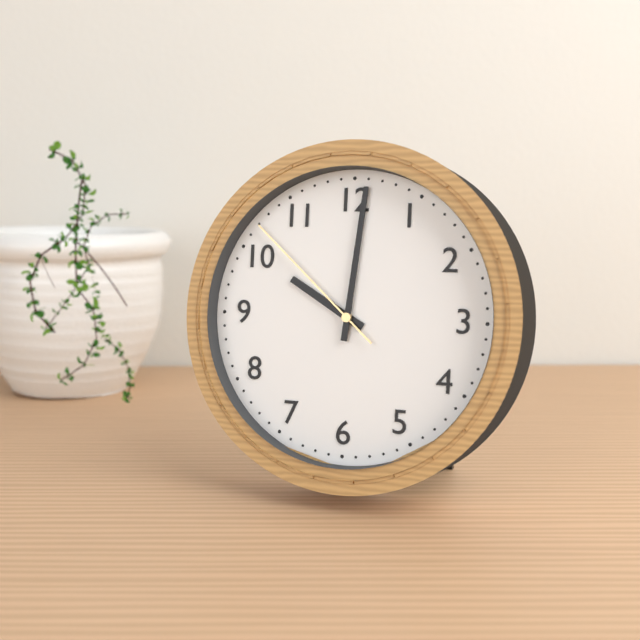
10:01:52
